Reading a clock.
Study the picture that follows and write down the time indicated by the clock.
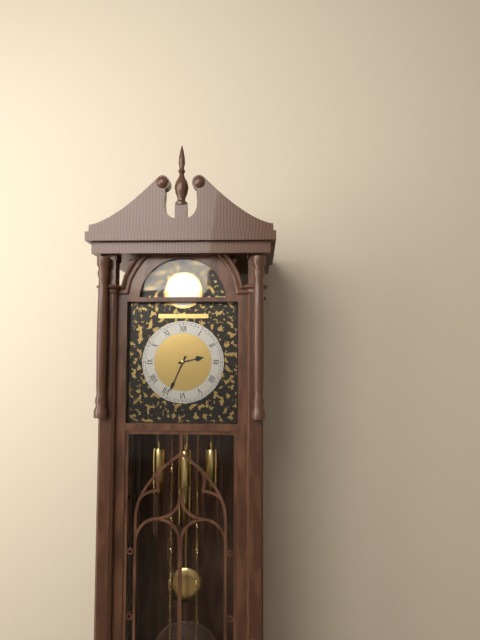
2:34
